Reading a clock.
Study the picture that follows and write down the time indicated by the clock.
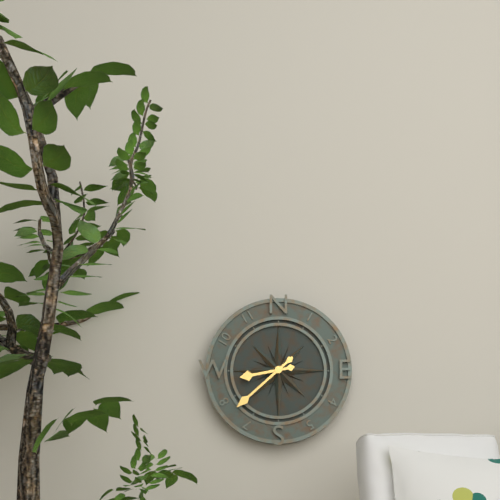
8:38
